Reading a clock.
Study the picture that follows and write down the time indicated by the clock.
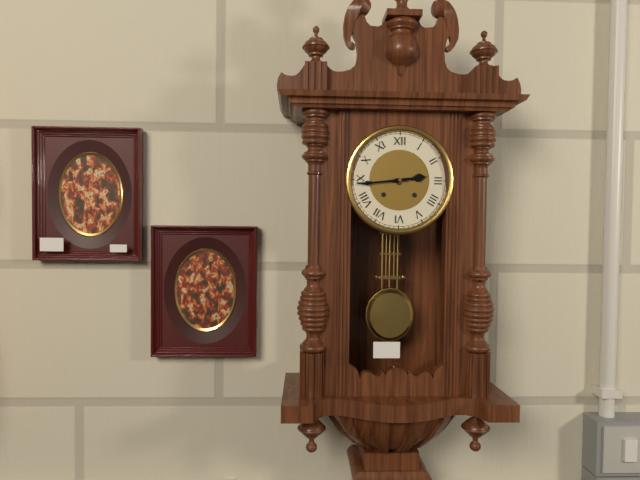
2:44
